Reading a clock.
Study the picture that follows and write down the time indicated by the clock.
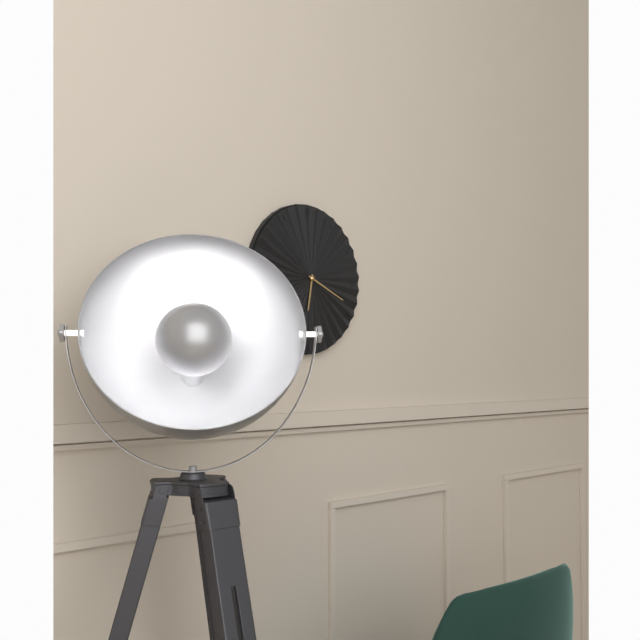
6:19
